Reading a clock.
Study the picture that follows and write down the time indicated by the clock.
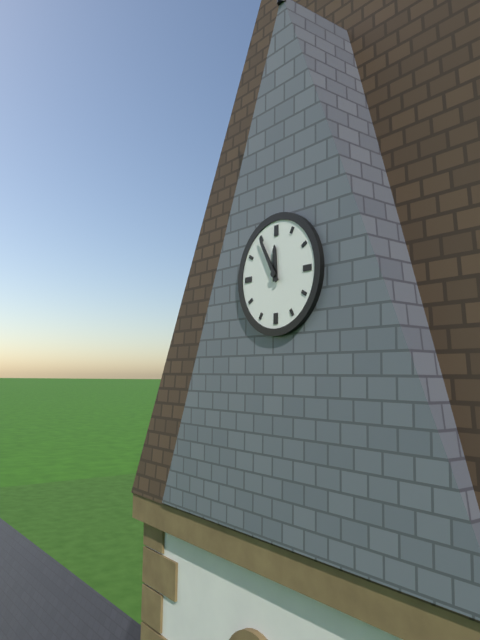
11:55
